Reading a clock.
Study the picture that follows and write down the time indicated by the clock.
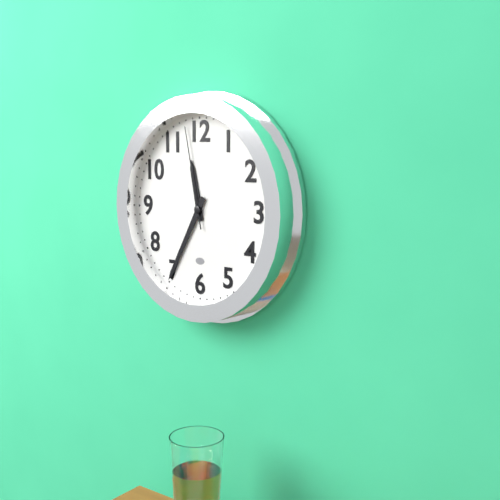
11:35:58
